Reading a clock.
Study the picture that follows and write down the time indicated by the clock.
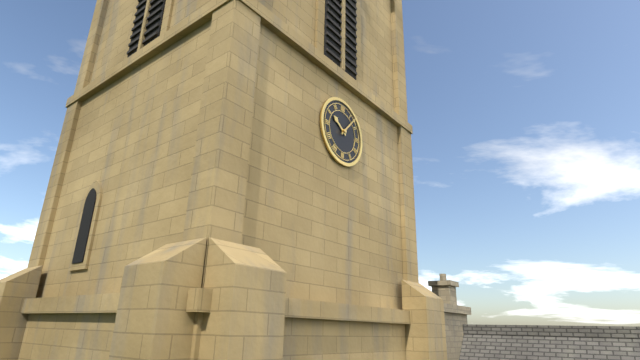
10:07
